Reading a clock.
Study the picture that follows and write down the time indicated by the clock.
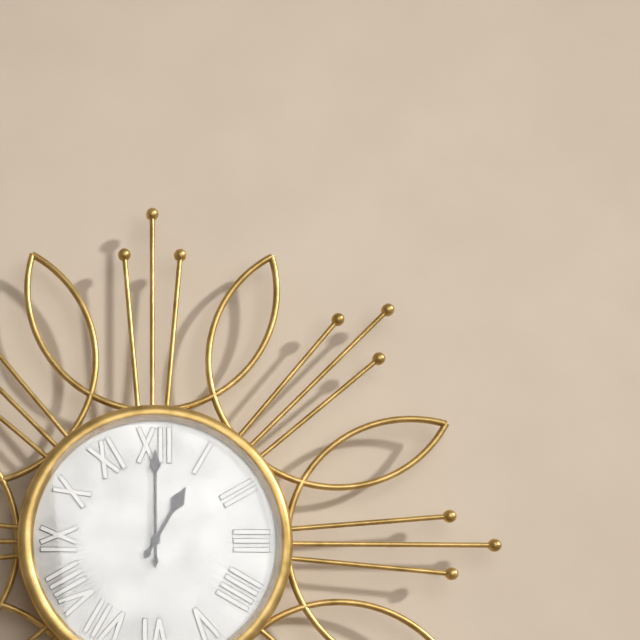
1:00
